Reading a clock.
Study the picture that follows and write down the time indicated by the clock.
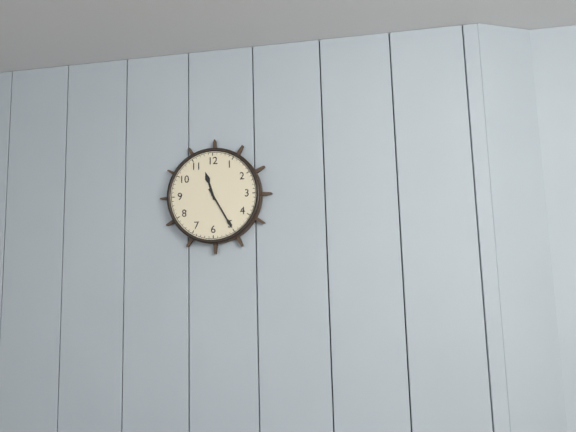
11:25
